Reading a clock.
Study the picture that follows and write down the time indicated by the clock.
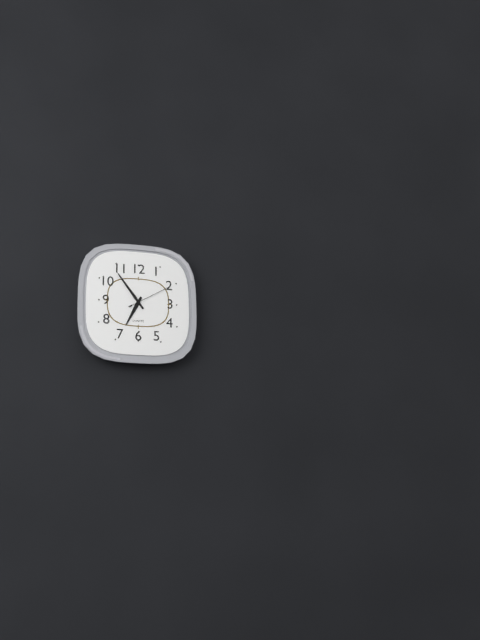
6:54
